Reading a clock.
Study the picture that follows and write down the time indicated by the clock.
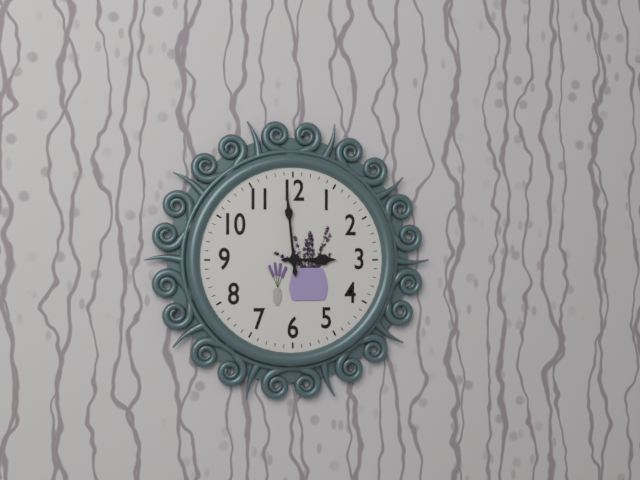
2:59
